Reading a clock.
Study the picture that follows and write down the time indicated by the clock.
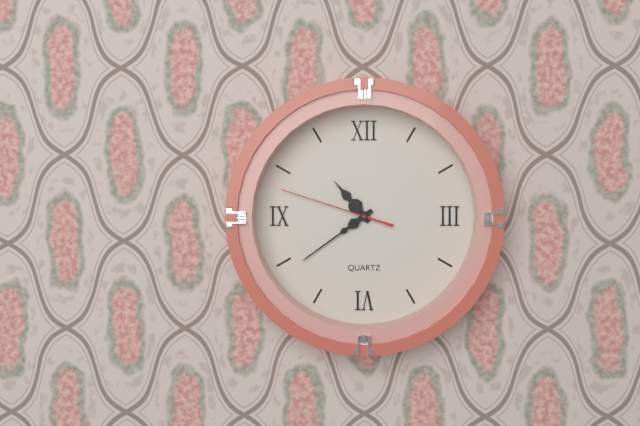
10:39:48
